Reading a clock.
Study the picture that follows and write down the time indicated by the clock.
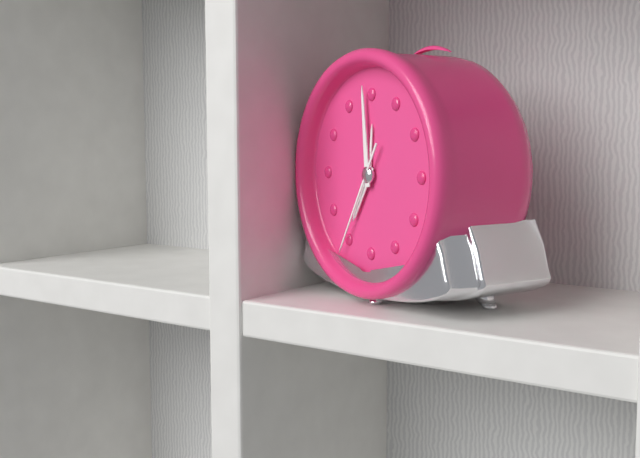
6:59:35
